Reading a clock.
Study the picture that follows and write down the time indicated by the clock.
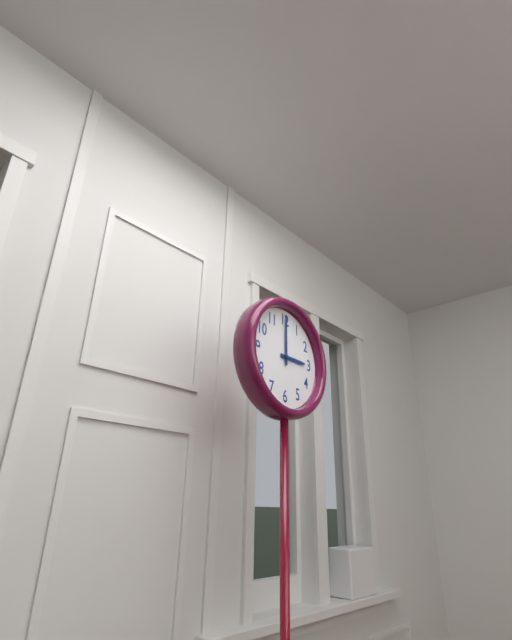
3:00
